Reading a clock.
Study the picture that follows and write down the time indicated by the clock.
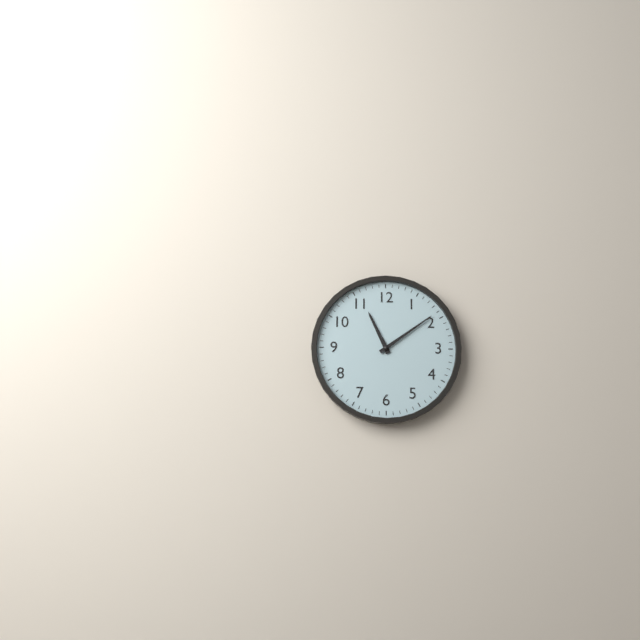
11:09
